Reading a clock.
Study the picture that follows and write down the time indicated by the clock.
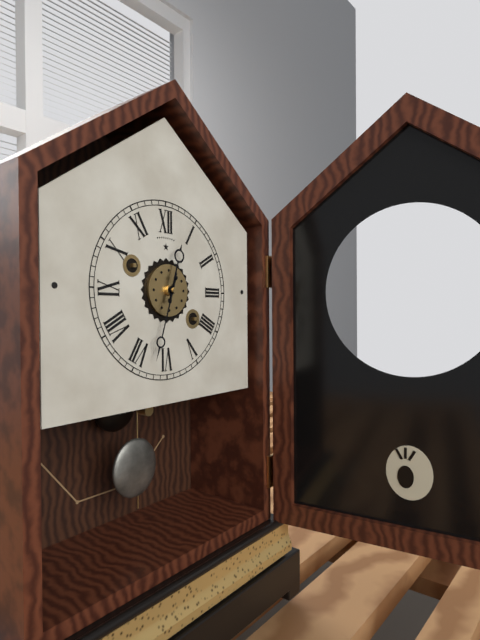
12:33
